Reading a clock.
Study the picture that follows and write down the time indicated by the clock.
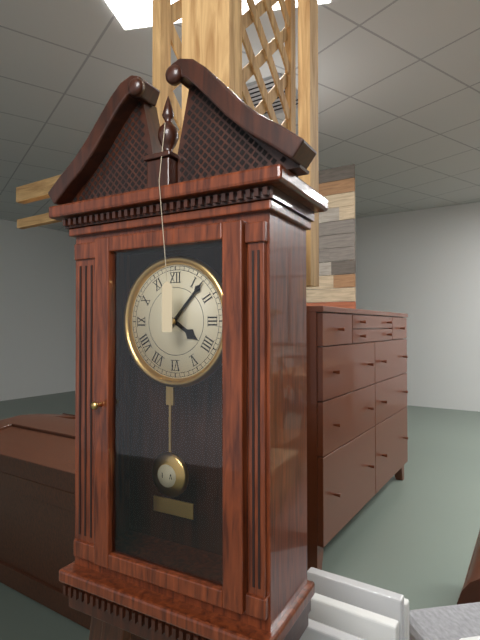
4:07
